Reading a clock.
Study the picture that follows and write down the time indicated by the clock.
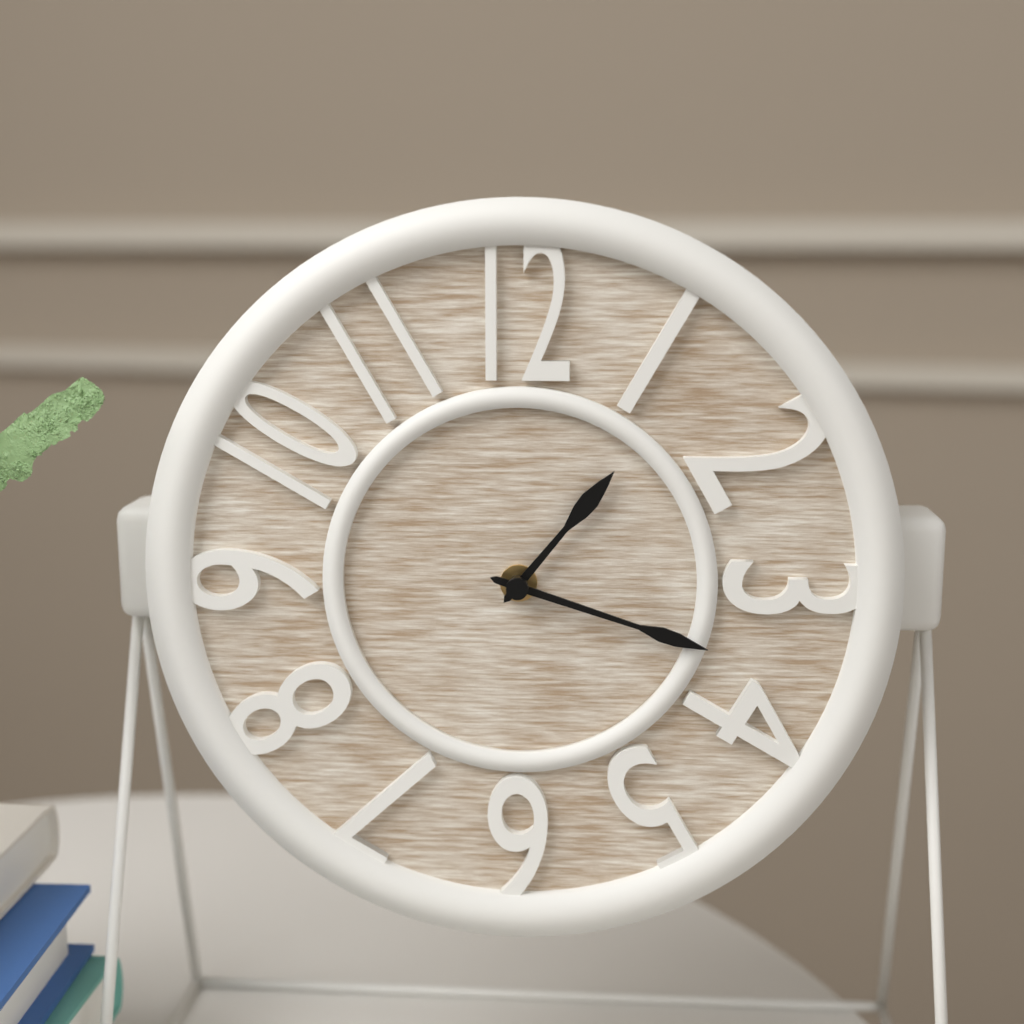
1:18
